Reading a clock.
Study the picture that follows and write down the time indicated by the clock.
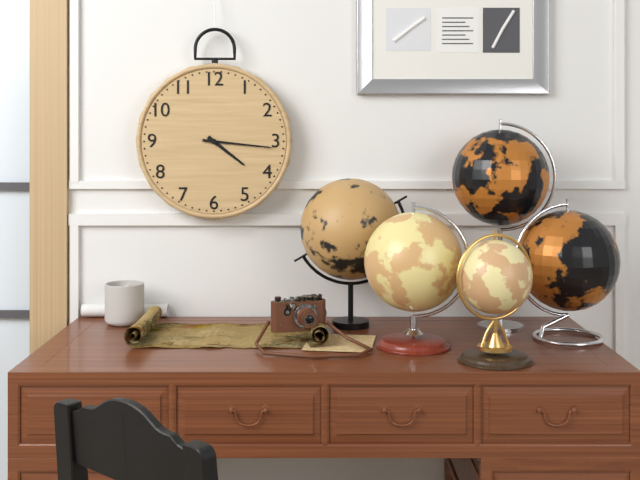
4:16
